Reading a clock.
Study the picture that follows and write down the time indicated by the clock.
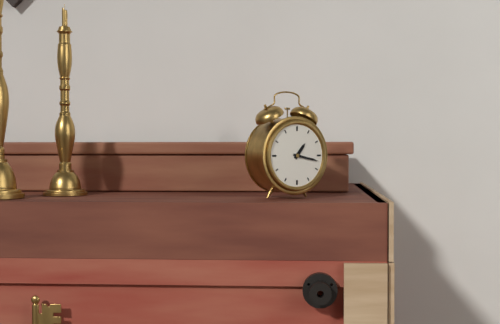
1:17
